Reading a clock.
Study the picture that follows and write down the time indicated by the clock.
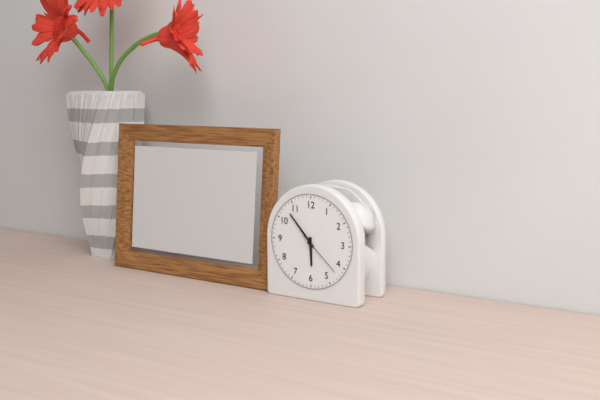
5:53
